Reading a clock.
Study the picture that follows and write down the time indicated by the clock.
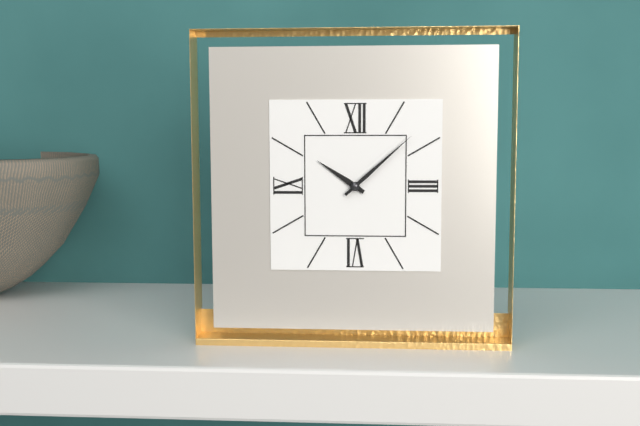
10:08
